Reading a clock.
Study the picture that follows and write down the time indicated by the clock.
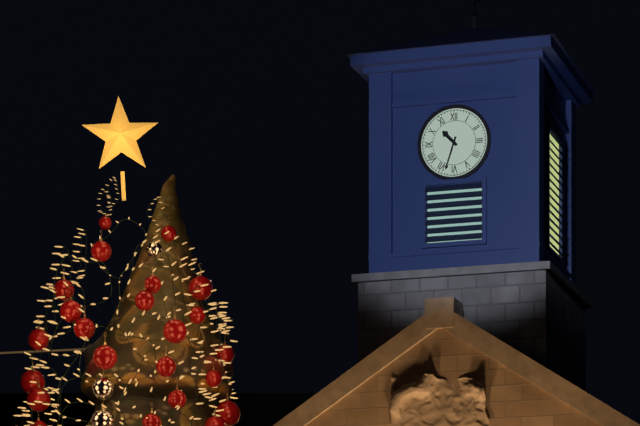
10:33
